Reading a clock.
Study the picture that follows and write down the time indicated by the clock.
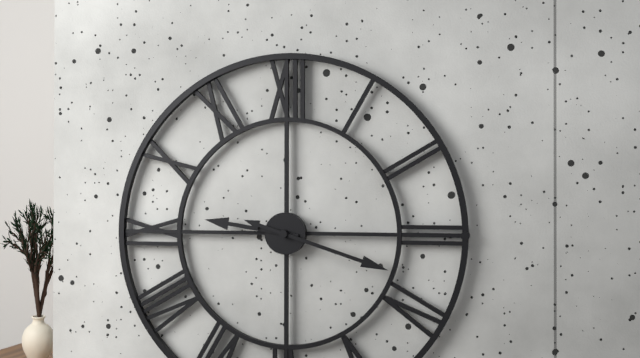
9:18
